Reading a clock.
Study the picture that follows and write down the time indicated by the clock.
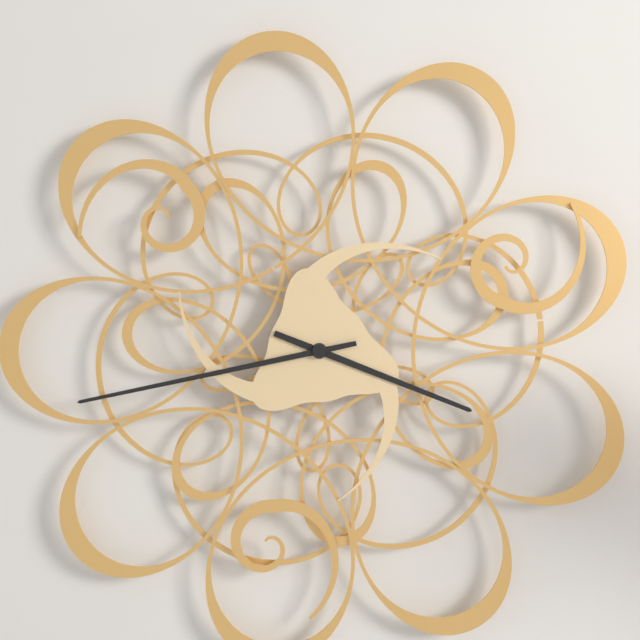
3:43
